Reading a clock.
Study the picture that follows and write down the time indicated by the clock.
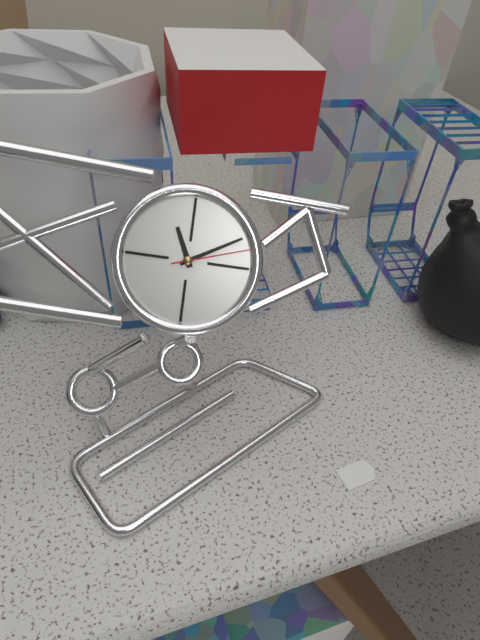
11:10:12
